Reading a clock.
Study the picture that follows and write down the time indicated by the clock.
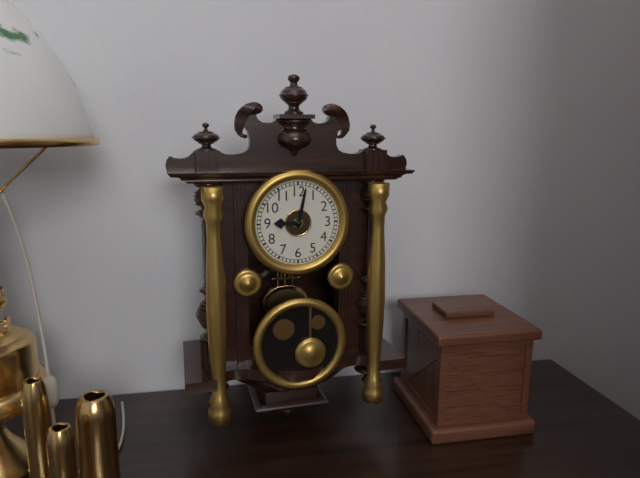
9:02
